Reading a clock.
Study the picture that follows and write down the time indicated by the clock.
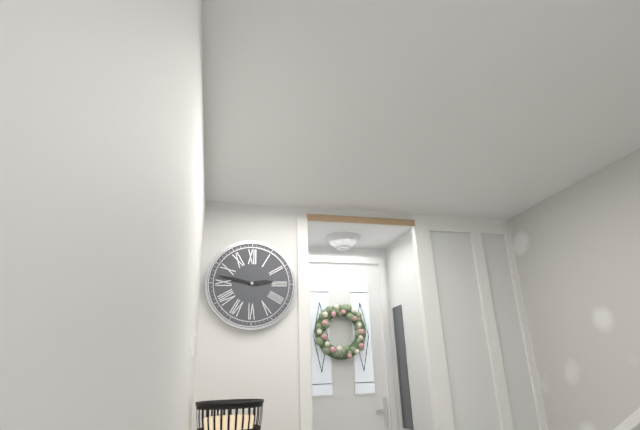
2:47
